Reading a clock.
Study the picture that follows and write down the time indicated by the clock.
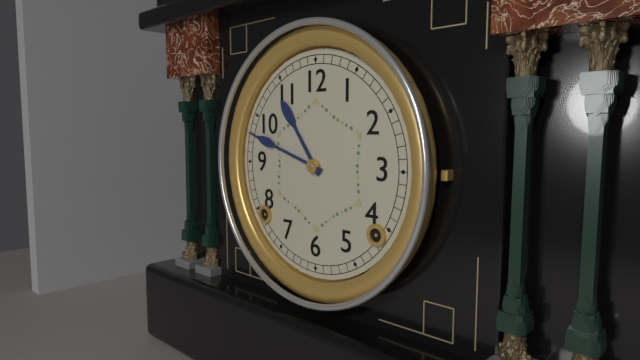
10:48
